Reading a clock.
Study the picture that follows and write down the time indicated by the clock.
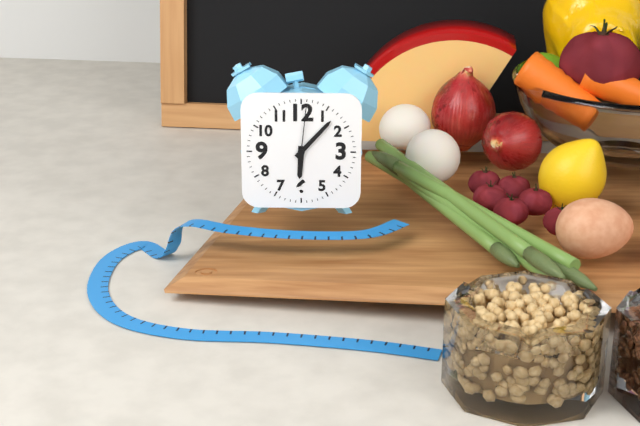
6:07:01
